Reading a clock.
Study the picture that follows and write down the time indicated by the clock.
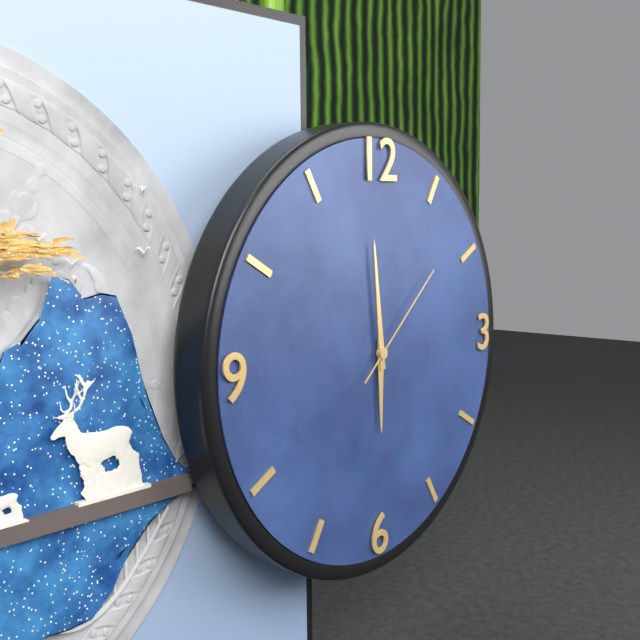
5:59:08
